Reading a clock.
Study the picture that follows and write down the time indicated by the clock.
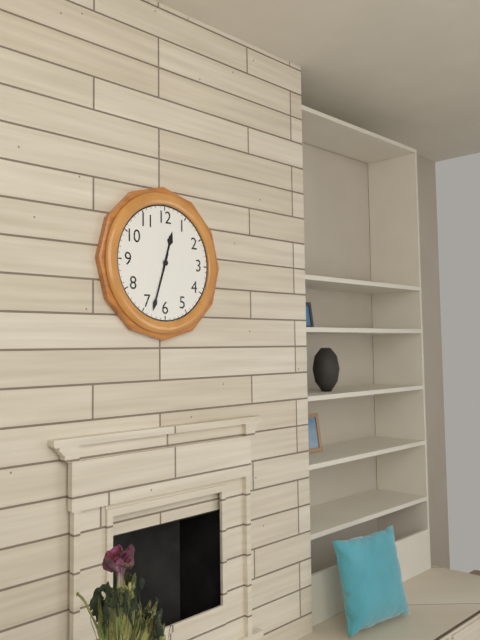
12:33
